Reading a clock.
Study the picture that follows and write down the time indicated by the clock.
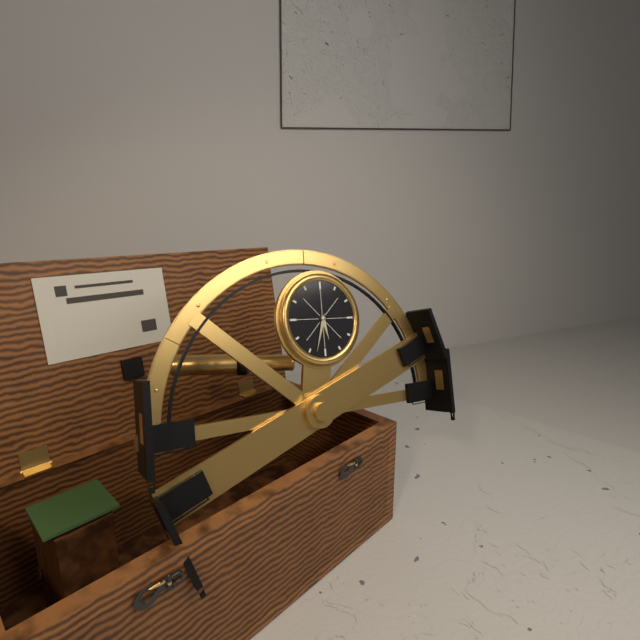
5:33
